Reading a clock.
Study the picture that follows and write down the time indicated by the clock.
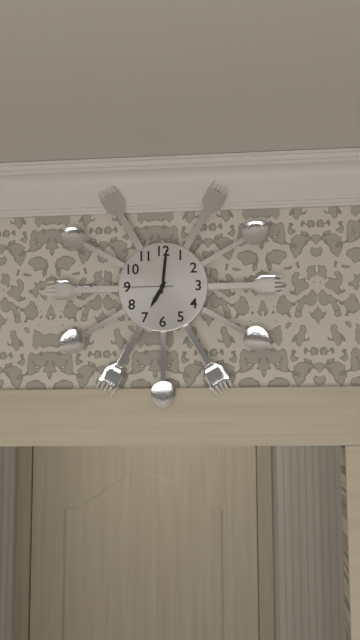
7:01:45
